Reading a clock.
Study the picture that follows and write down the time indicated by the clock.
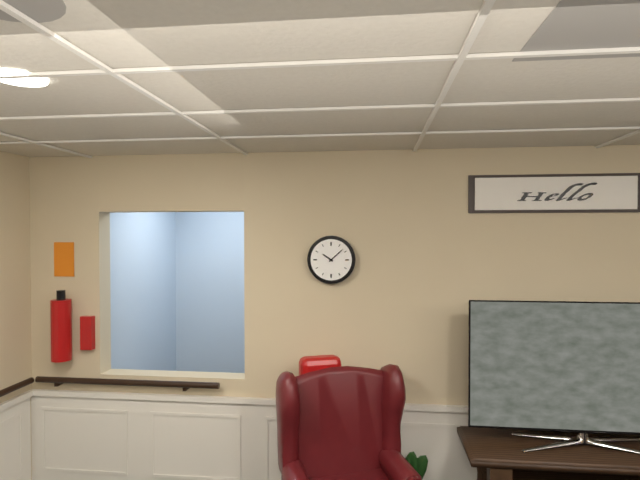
10:08
